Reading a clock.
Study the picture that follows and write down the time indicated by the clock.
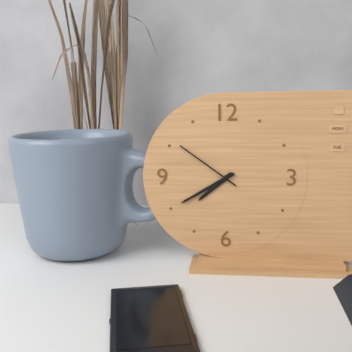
7:40:51
